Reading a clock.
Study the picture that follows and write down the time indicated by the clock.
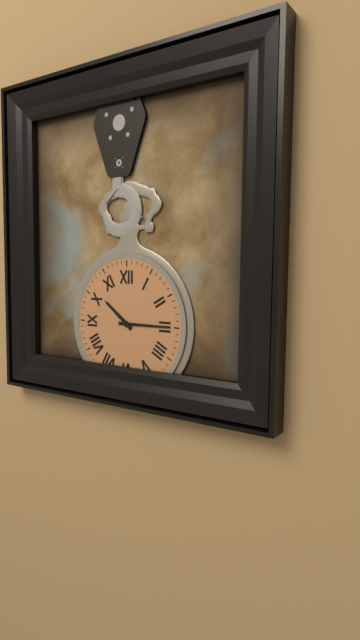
10:15
